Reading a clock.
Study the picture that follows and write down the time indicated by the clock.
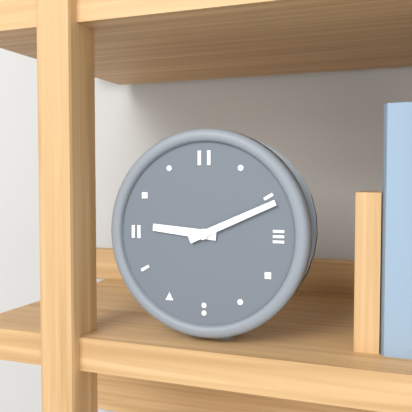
9:11
